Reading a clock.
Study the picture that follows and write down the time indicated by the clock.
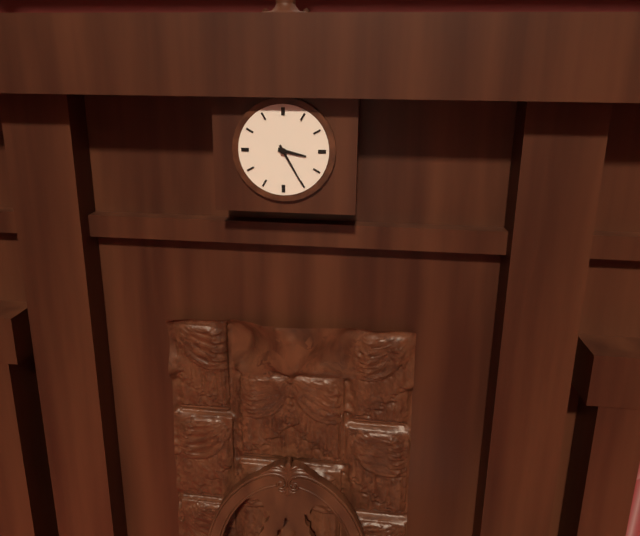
3:25
